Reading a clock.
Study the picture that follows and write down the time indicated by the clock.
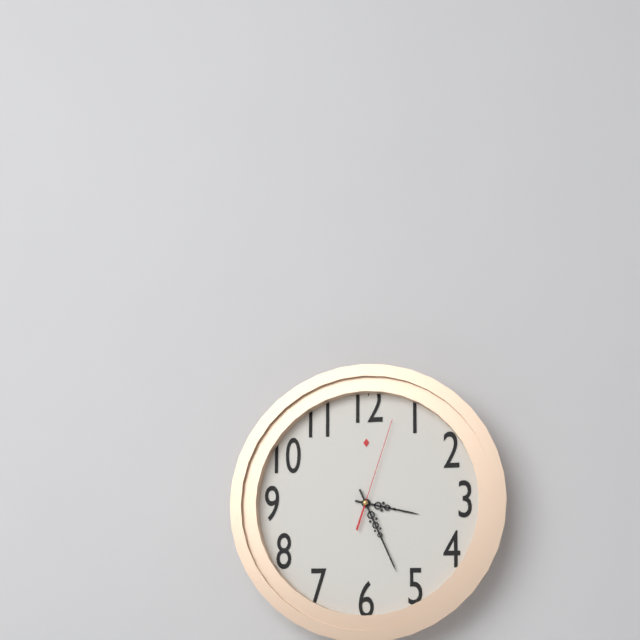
3:26:03
